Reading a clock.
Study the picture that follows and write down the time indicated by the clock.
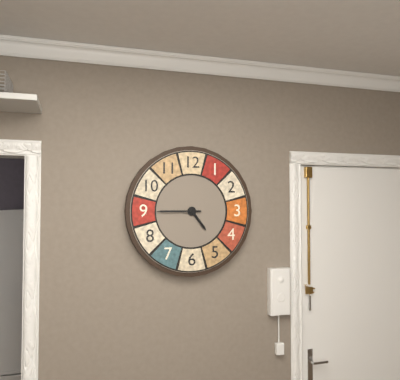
4:45
